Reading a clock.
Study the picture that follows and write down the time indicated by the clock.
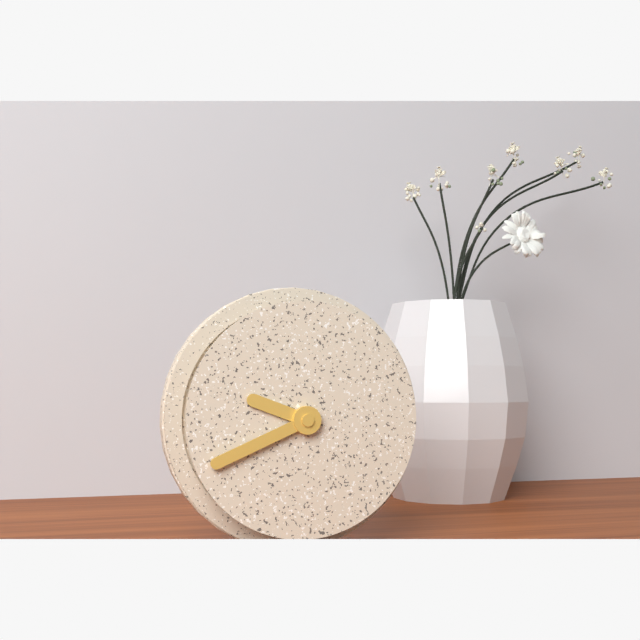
9:41
